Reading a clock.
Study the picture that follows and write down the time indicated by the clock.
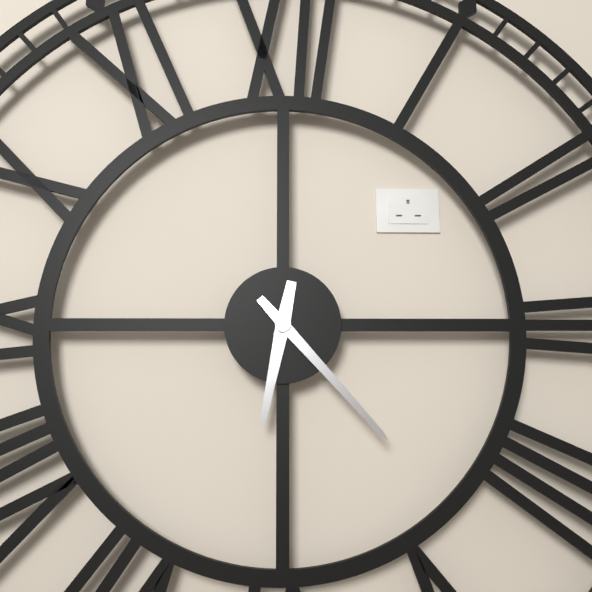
6:23
